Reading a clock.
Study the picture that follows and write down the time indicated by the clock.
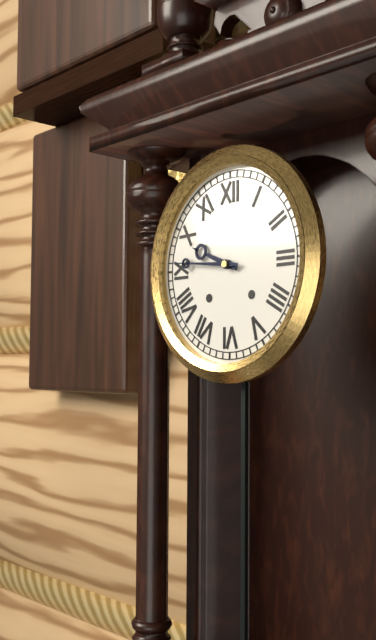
9:46
